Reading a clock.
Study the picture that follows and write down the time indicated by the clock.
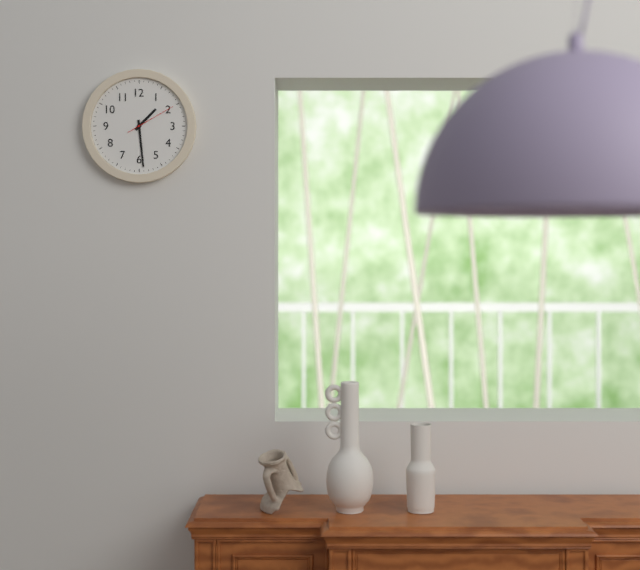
1:29
